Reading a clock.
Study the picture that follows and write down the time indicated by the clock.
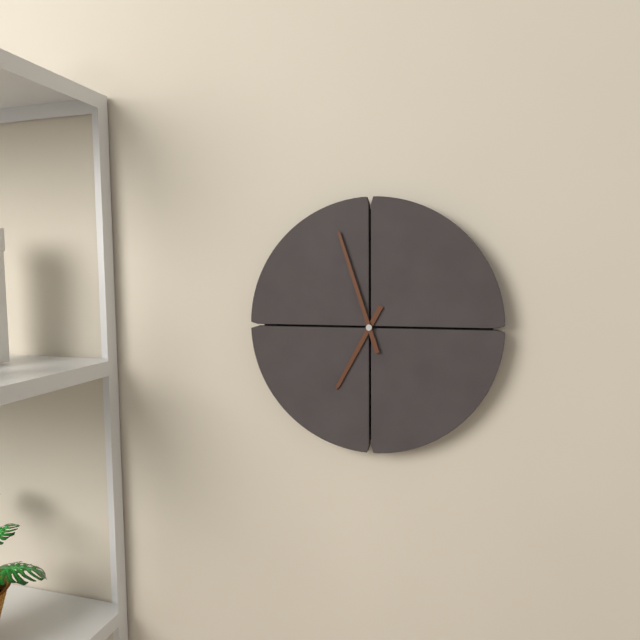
6:57
